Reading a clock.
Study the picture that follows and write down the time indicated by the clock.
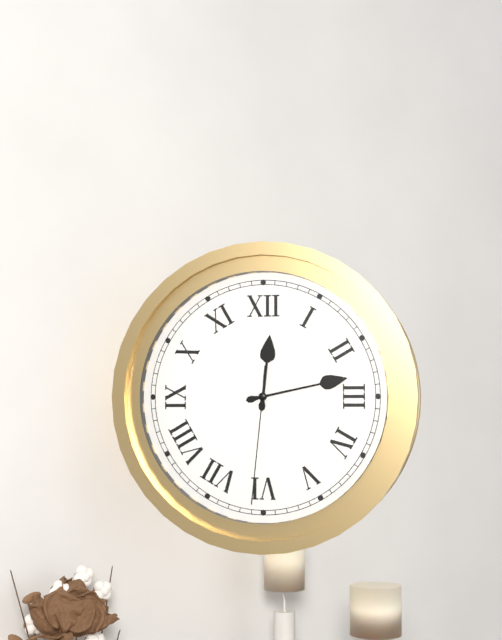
12:13:31
